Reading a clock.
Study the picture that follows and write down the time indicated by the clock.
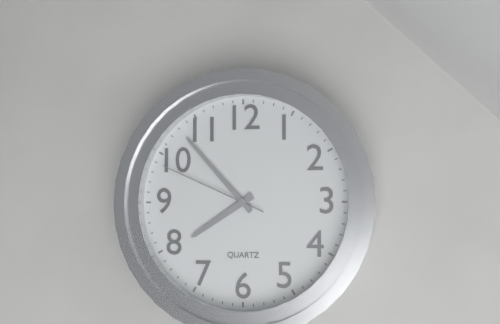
7:53:49
